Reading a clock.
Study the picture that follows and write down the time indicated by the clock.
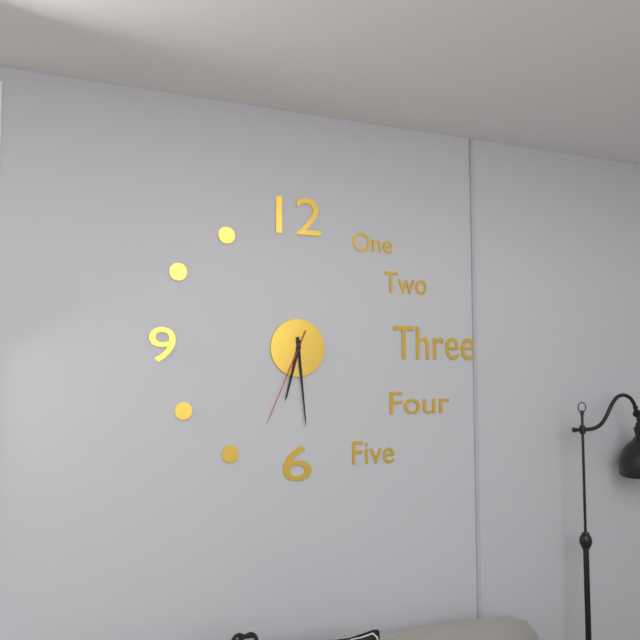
6:29:34
